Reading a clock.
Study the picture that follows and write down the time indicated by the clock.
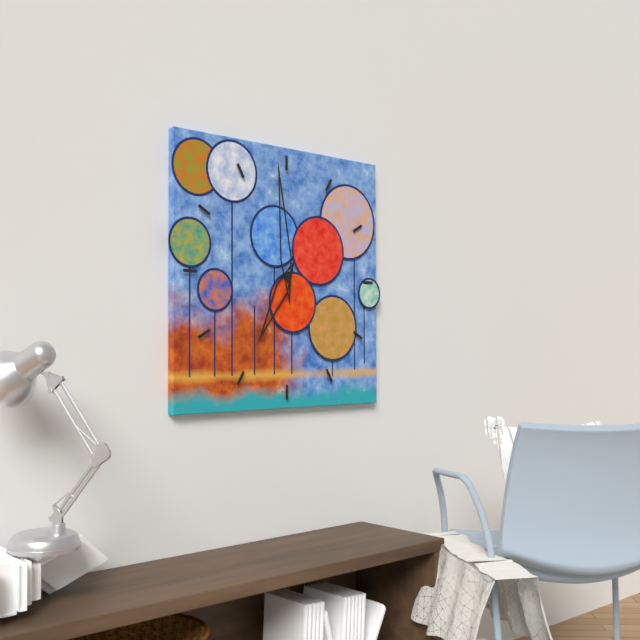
6:59
